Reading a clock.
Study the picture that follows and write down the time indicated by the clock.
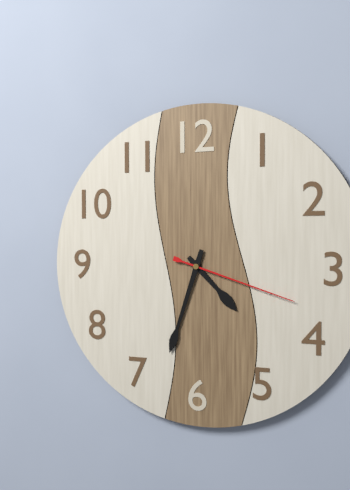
4:33:18
